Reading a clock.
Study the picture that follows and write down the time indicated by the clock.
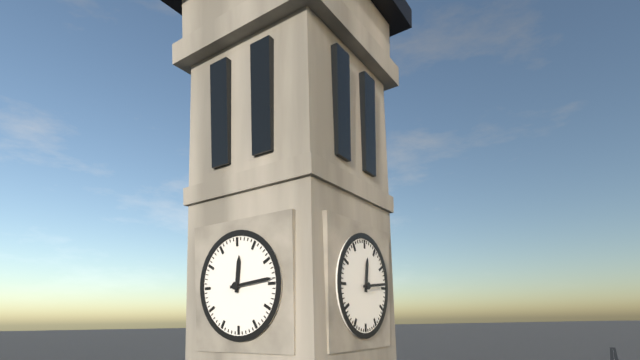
12:14
